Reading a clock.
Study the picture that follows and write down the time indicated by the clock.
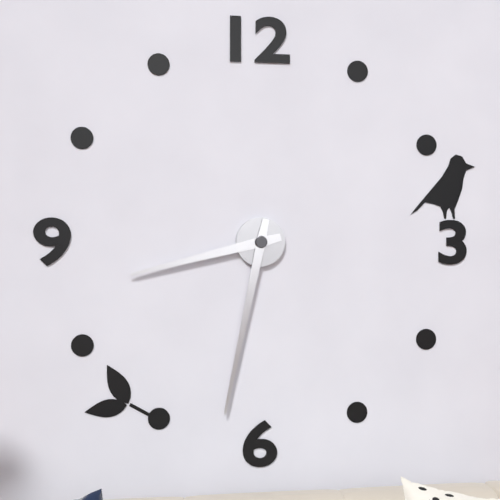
8:32
